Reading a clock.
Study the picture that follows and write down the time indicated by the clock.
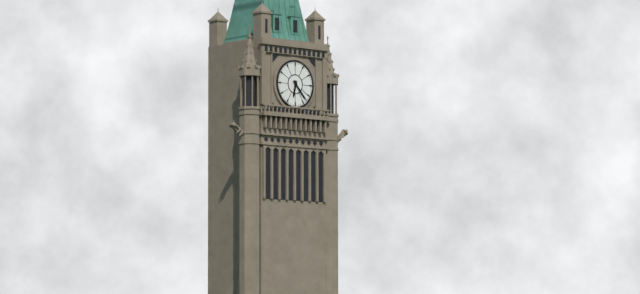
6:23
